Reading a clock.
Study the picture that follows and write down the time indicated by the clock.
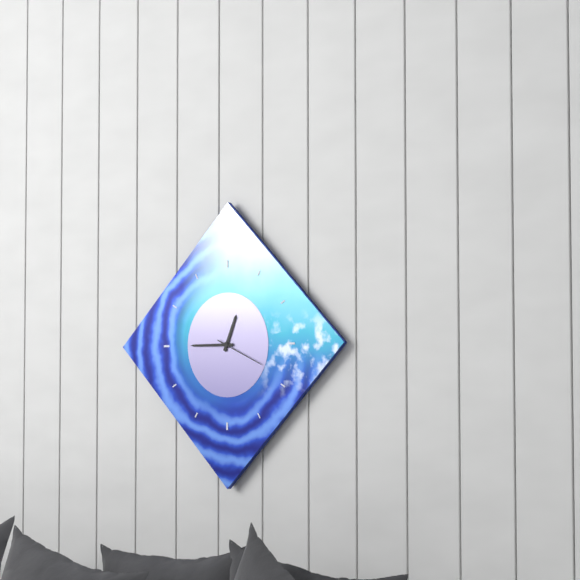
12:45
